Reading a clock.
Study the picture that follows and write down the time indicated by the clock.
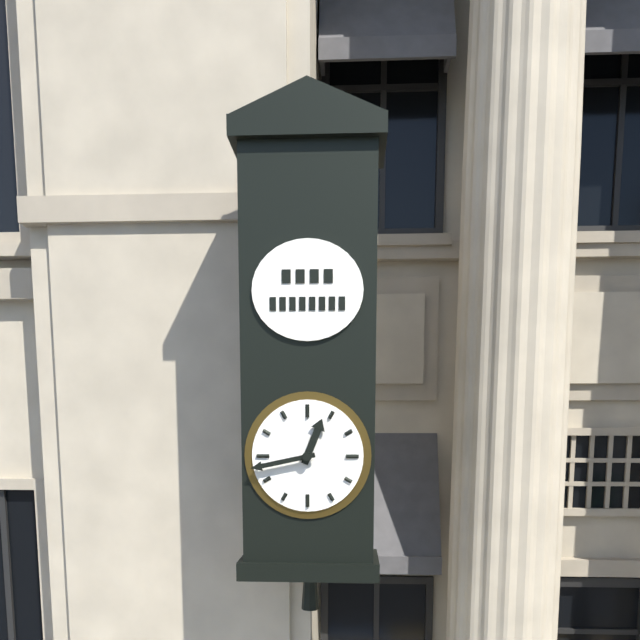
12:43
